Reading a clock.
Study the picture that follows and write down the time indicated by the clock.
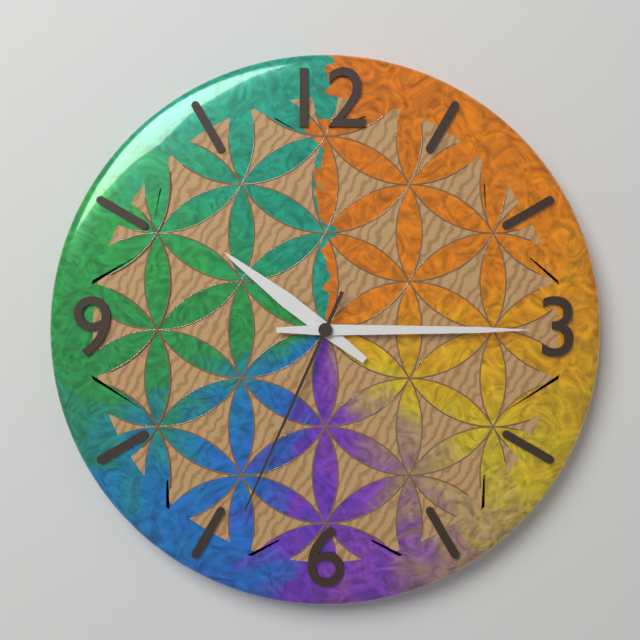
10:15:34
